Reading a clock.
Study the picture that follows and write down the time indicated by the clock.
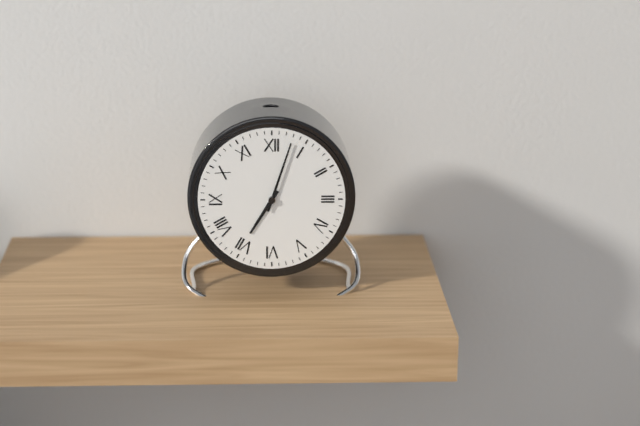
7:03
